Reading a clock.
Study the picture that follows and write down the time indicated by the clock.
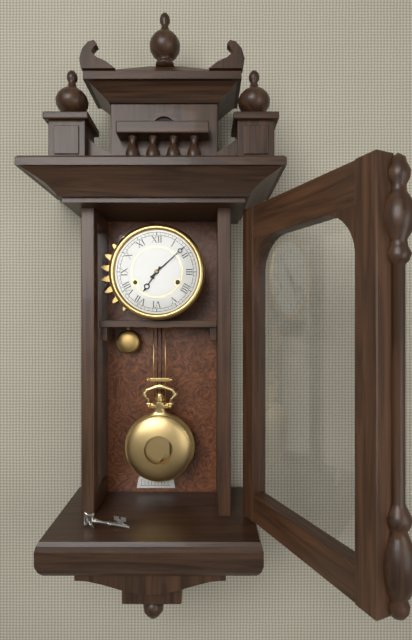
7:08
